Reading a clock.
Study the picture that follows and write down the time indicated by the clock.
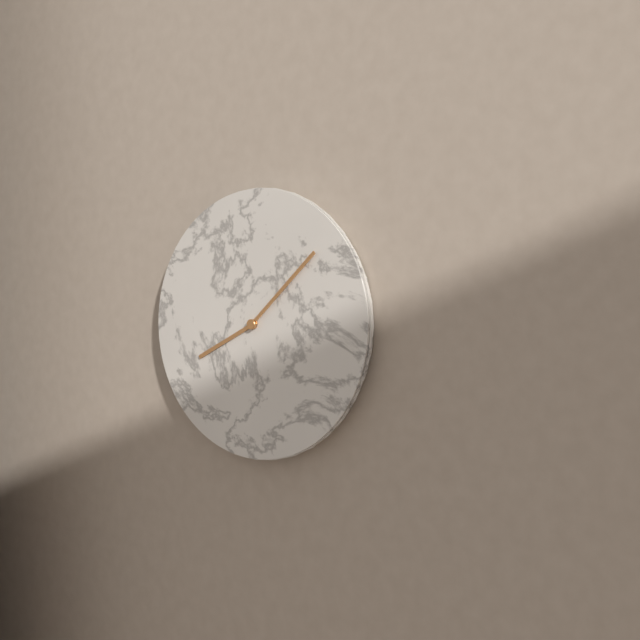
8:08
